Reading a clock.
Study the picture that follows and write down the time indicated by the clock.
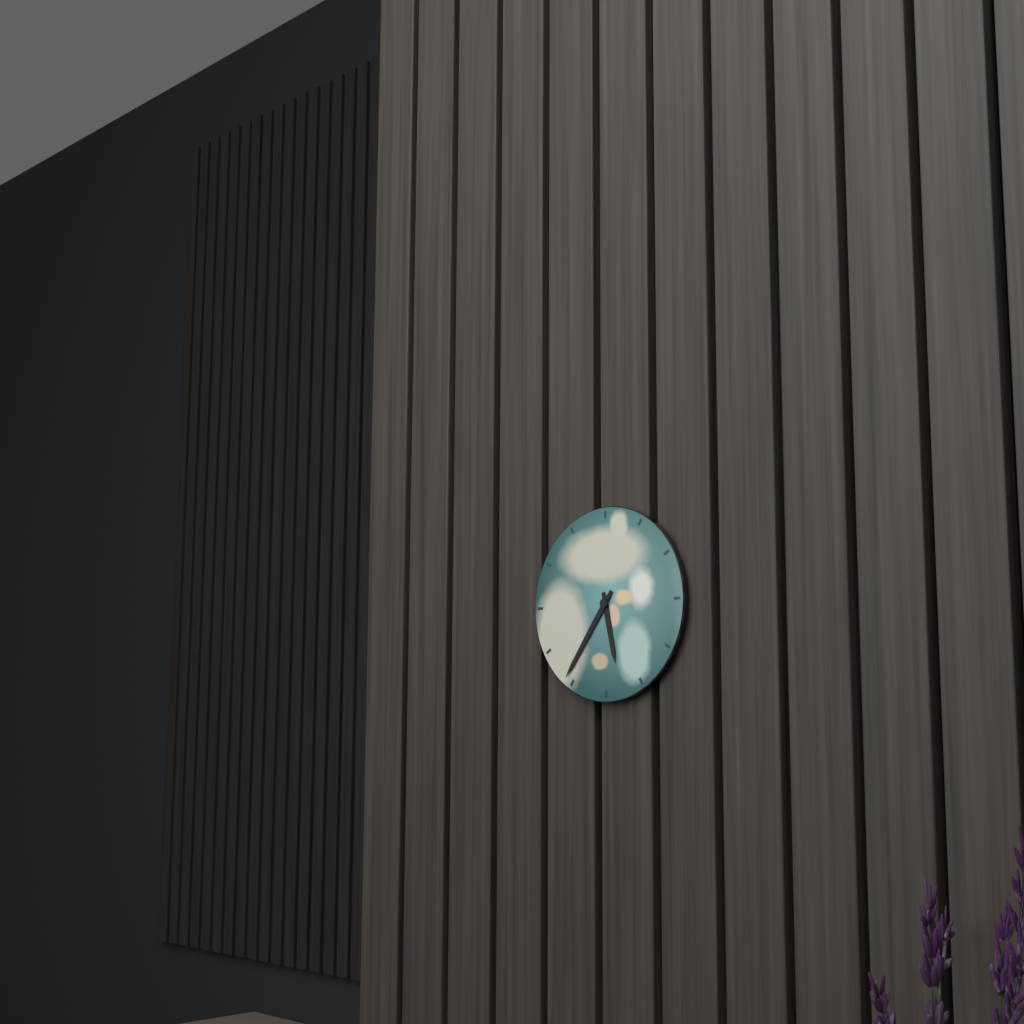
5:36
